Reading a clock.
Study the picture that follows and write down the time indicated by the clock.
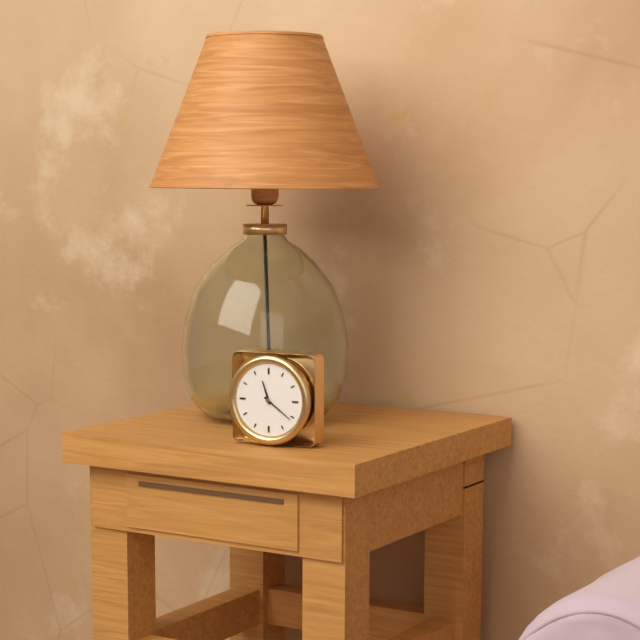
11:21
